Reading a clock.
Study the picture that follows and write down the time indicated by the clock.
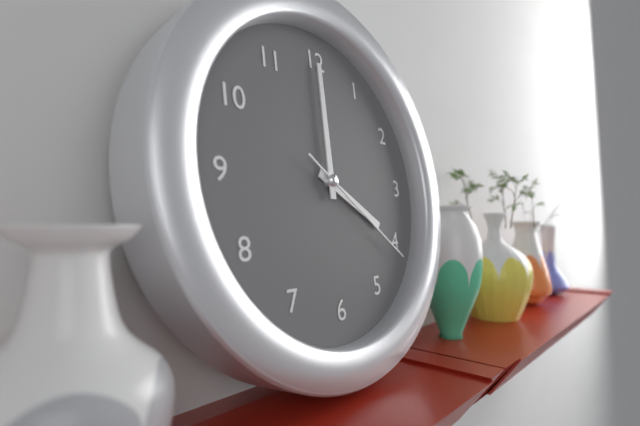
4:00:21
